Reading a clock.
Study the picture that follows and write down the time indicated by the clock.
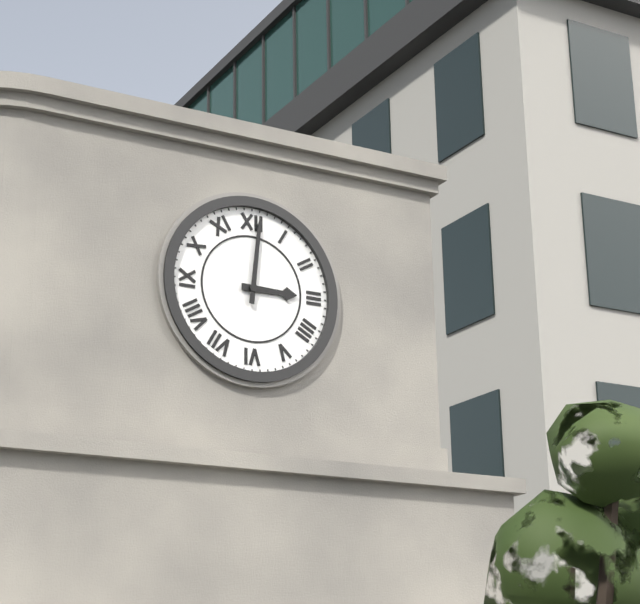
3:01
